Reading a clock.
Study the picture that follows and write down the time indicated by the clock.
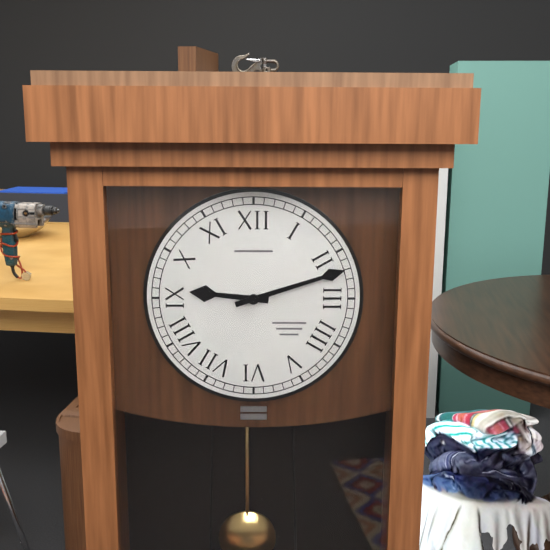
9:12
